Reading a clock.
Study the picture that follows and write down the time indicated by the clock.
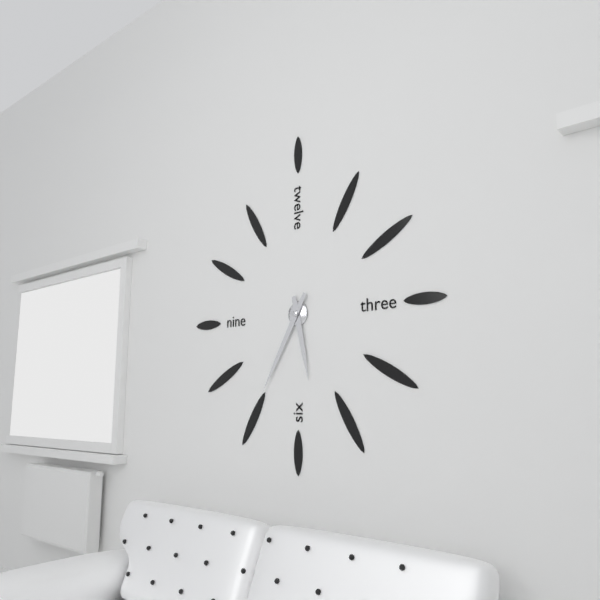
5:35
